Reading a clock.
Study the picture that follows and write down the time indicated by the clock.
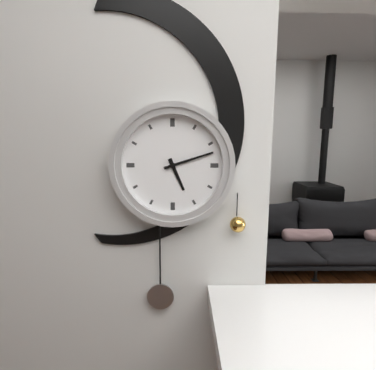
5:12
